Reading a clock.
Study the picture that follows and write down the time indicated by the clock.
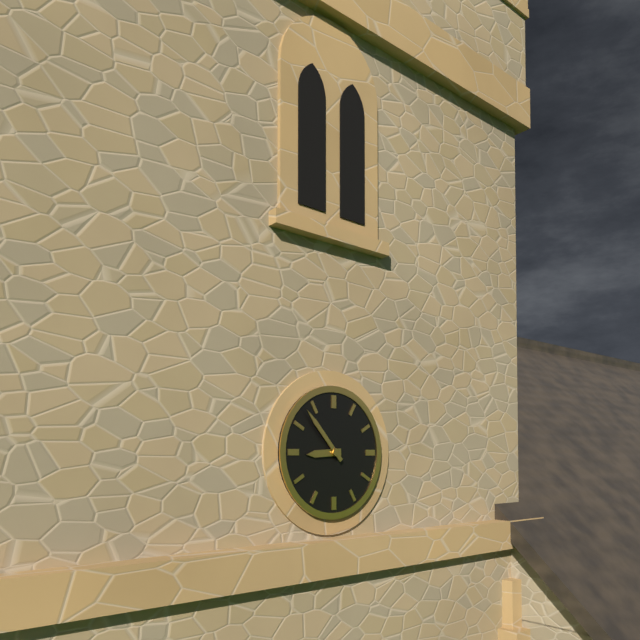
8:53
